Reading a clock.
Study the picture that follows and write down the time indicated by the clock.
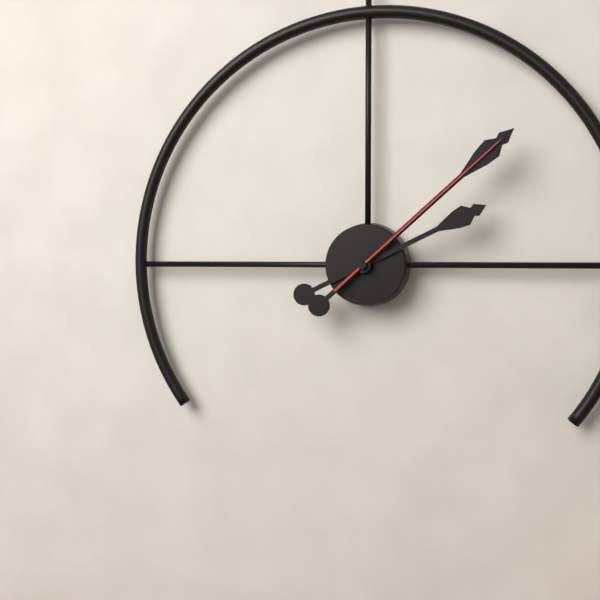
2:08:08
